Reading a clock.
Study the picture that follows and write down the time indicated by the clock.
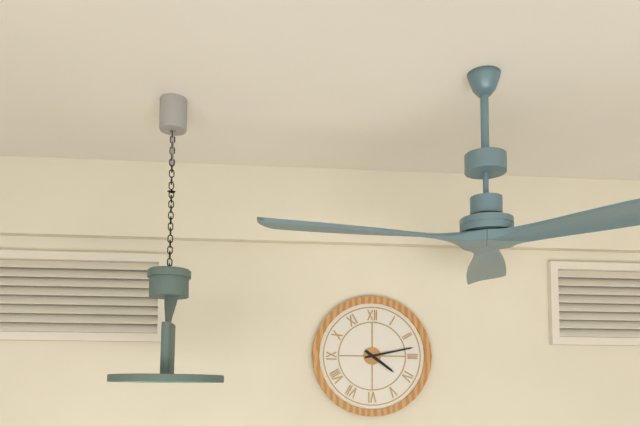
4:13
